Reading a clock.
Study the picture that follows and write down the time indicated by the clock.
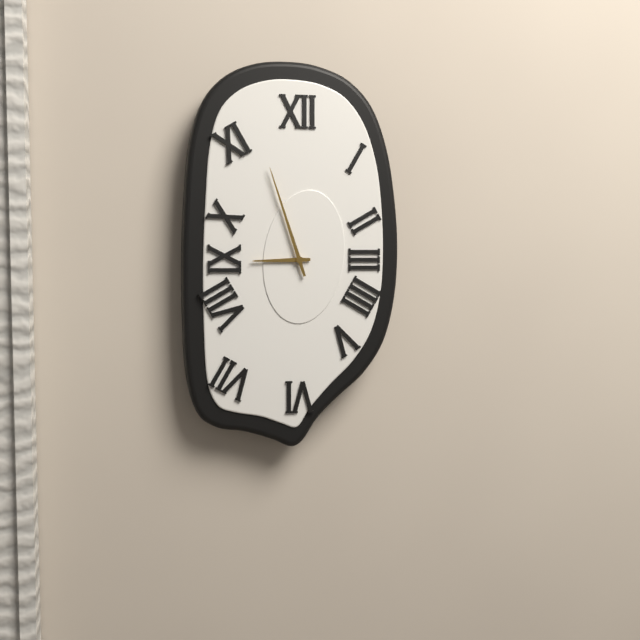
8:57
